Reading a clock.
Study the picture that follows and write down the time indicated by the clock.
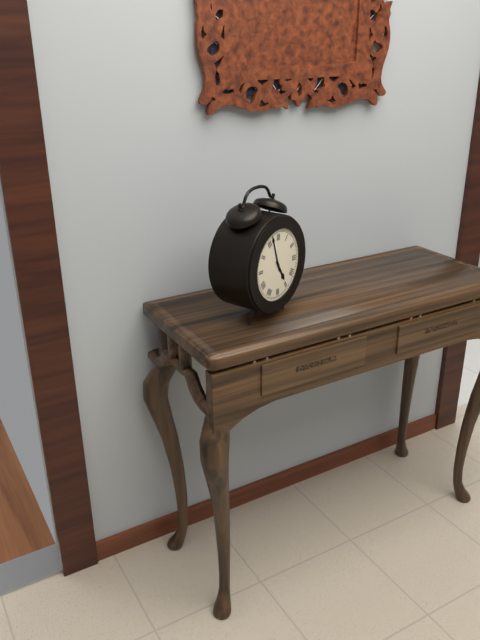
4:57
